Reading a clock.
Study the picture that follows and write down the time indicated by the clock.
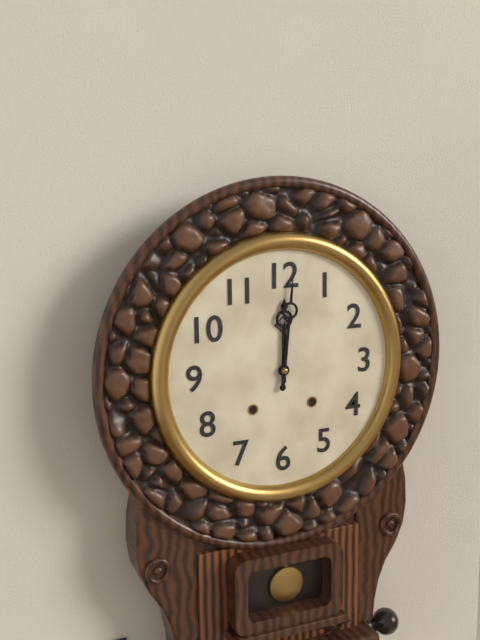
12:01
